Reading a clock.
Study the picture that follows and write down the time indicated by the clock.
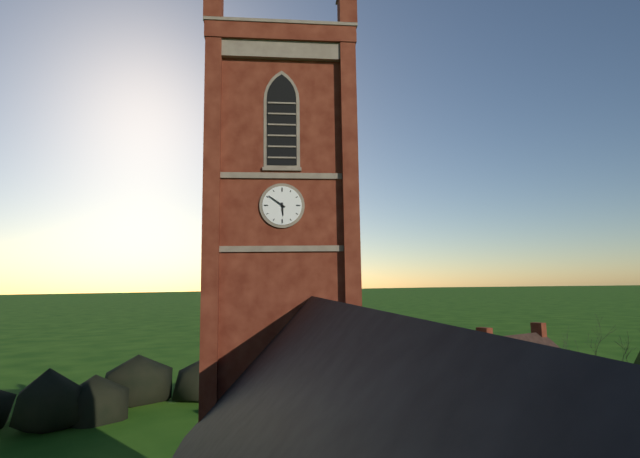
5:51
